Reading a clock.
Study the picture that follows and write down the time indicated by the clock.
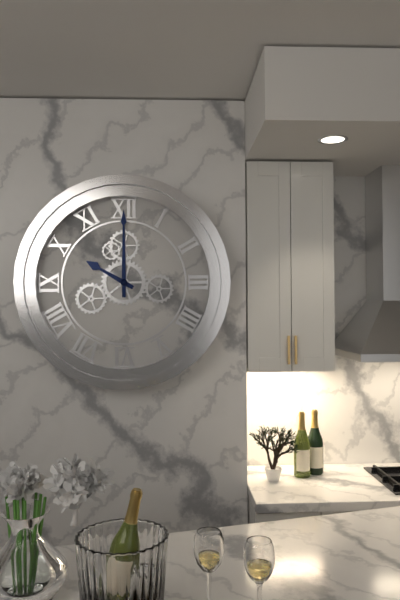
10:00
